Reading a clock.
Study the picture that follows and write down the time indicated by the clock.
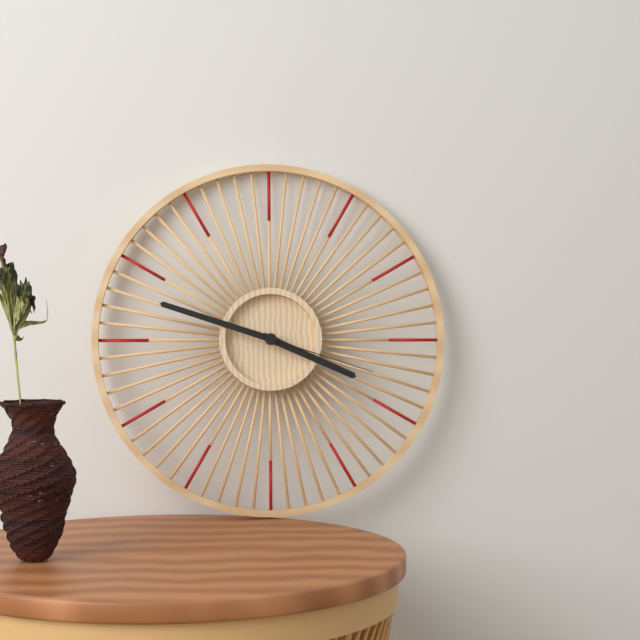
3:48:18
